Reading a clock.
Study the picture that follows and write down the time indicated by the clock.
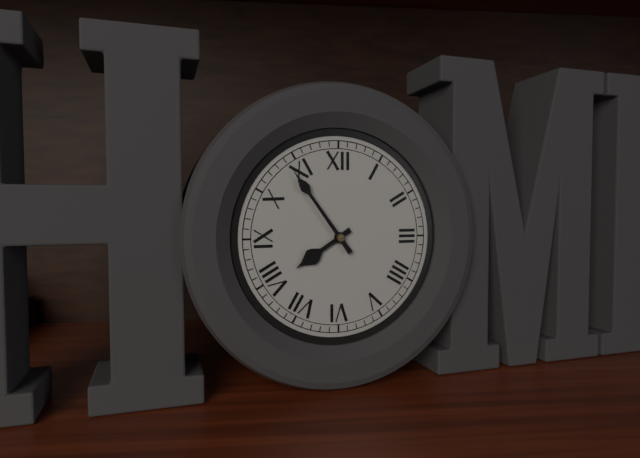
7:54
